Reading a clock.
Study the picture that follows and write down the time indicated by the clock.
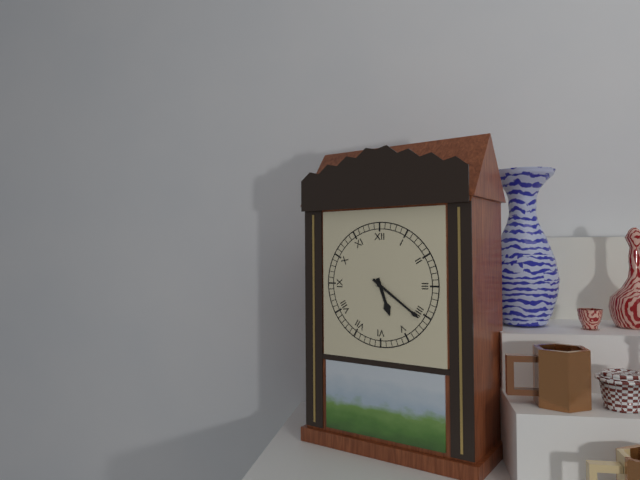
5:21
